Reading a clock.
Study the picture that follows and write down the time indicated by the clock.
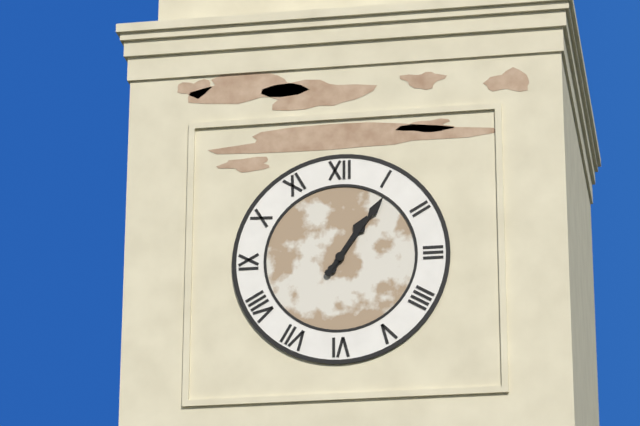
1:06
